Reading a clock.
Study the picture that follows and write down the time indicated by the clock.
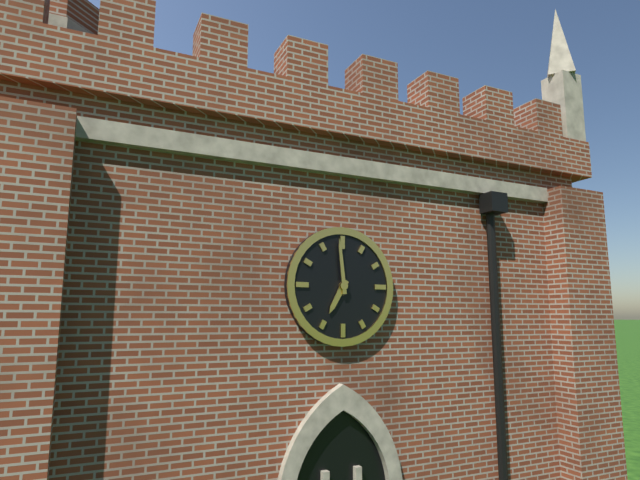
6:59
